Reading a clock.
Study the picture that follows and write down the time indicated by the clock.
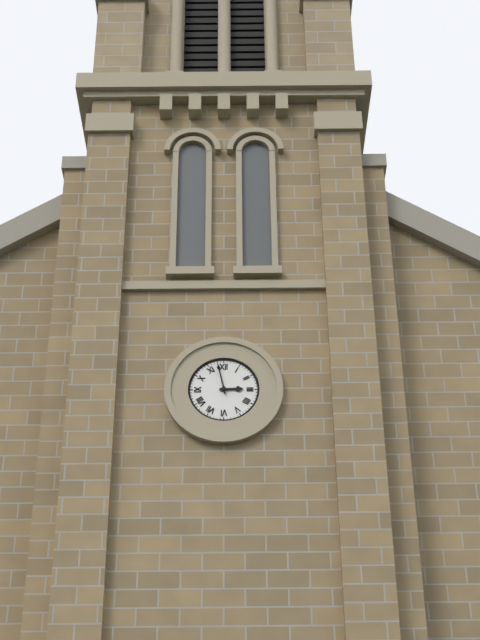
2:58
